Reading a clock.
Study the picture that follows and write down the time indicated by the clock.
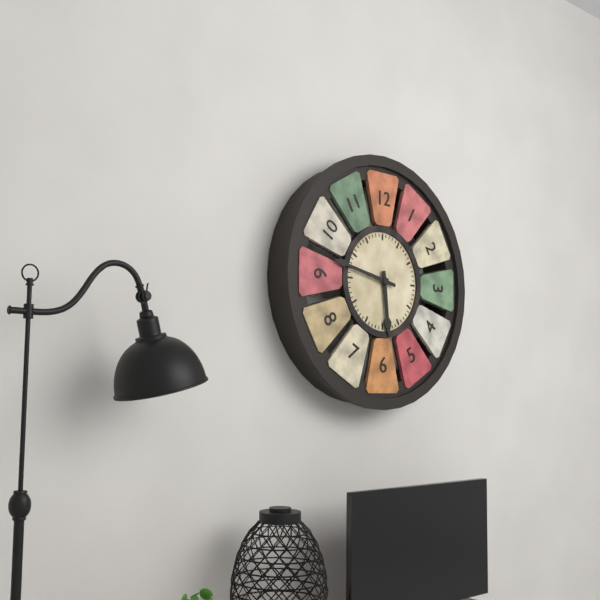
5:47
